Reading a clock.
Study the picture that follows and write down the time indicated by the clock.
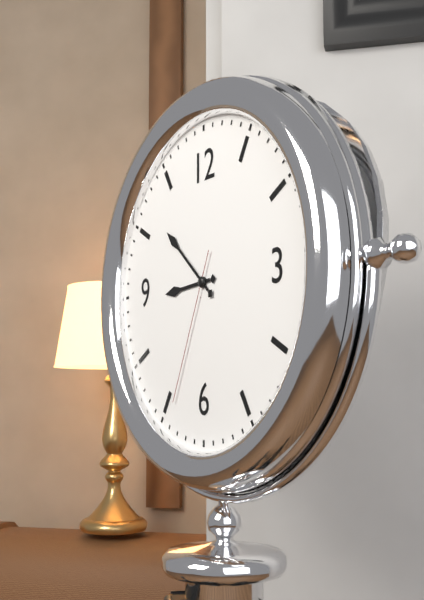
8:52:34
